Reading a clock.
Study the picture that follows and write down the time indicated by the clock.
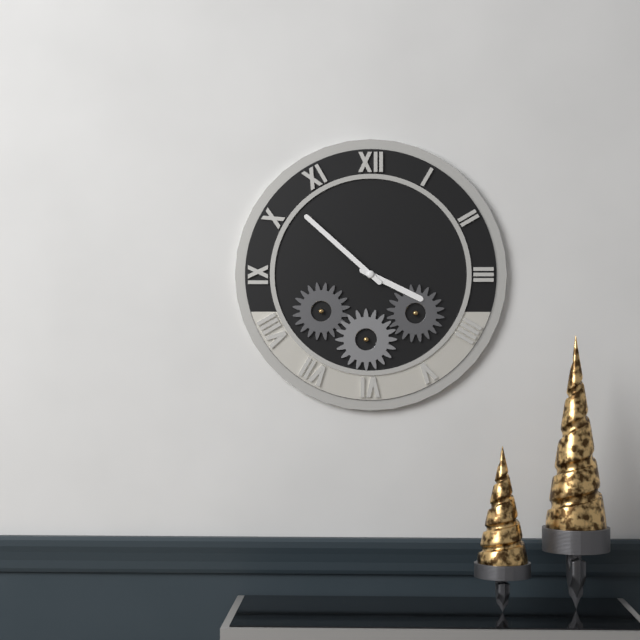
3:52
